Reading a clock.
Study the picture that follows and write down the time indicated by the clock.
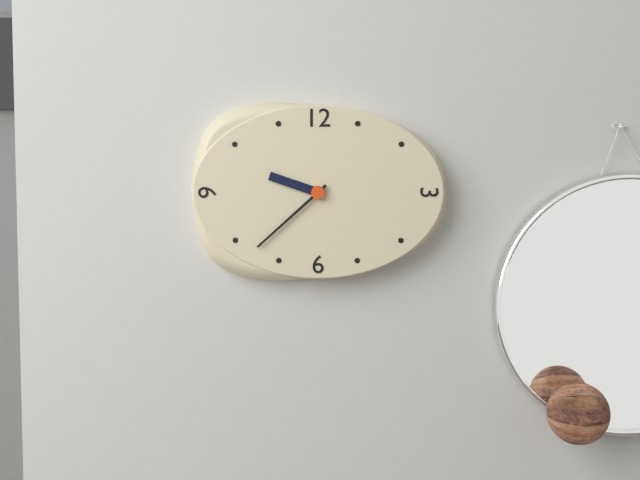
9:38
